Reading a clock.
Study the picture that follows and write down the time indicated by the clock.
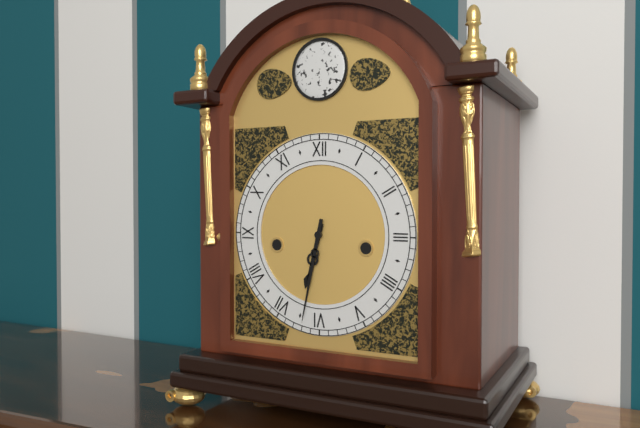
6:32
